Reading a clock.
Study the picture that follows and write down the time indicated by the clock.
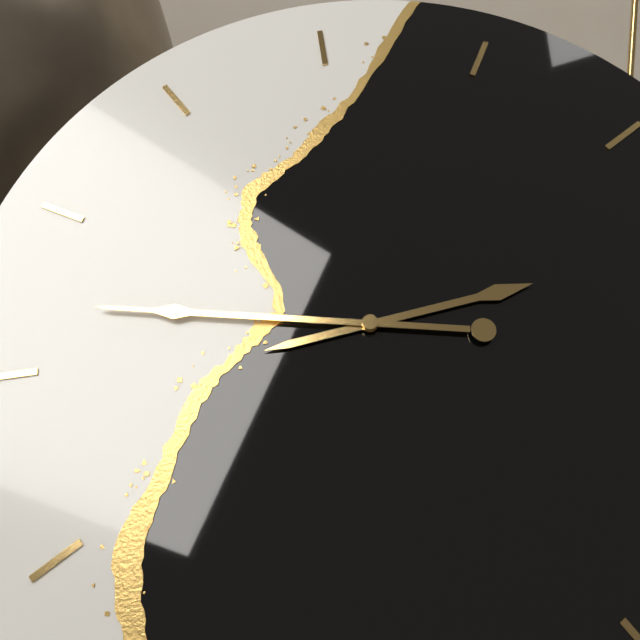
2:47
